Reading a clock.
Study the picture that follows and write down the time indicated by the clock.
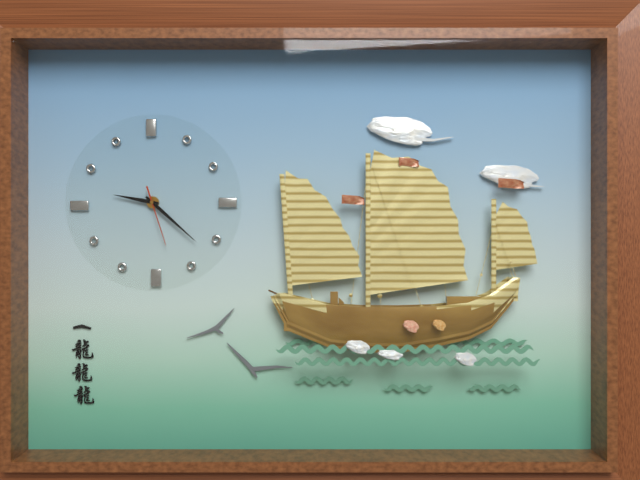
9:22:27
